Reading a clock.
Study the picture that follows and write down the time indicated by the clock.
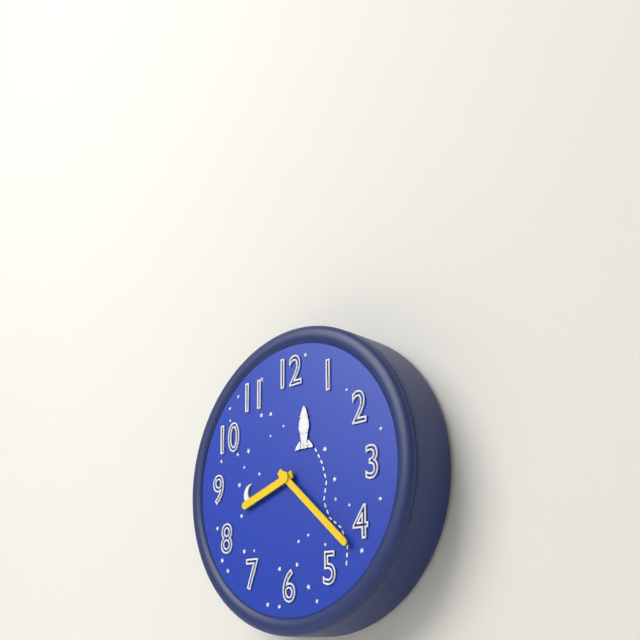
8:22
